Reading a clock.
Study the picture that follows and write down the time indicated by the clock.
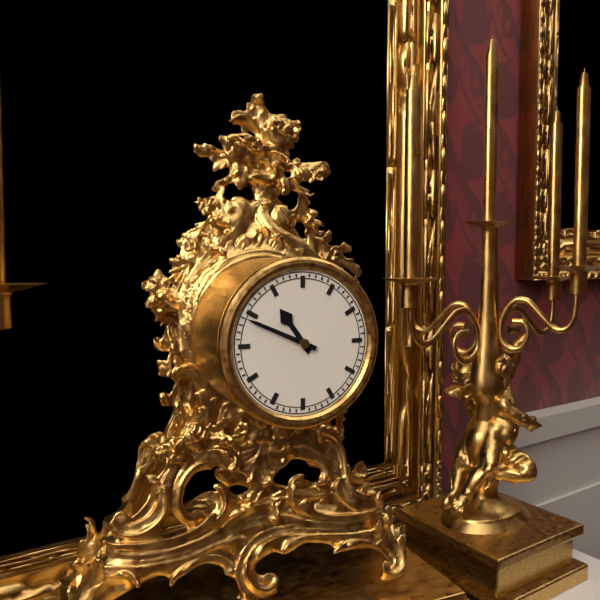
10:49
